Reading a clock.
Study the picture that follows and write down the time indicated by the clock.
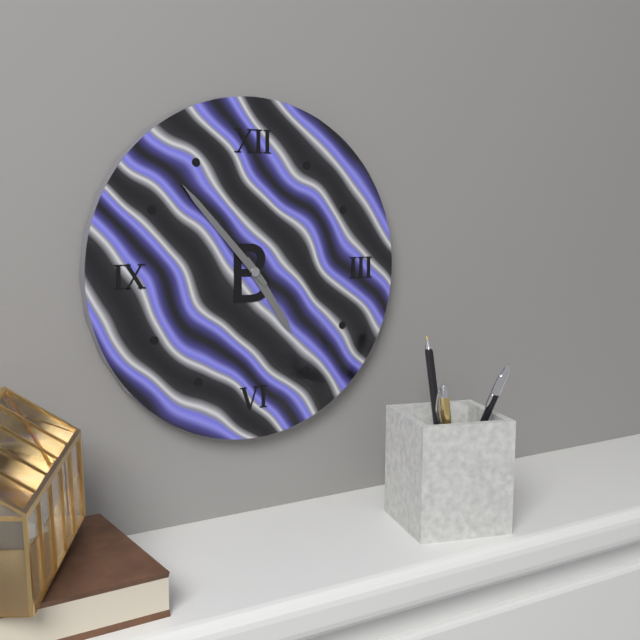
4:53
